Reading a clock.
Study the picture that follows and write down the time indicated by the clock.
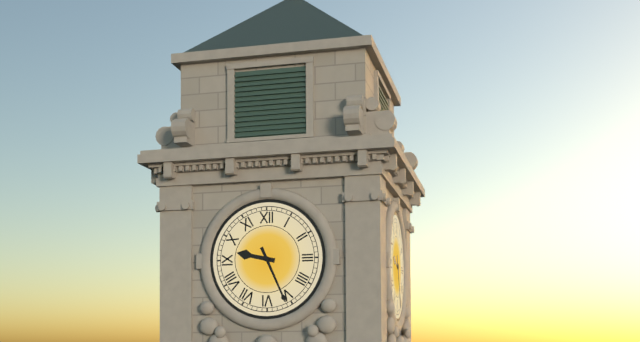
9:26
